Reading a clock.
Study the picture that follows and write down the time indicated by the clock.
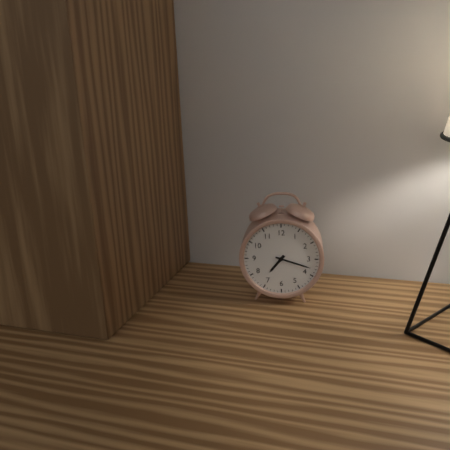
7:18
